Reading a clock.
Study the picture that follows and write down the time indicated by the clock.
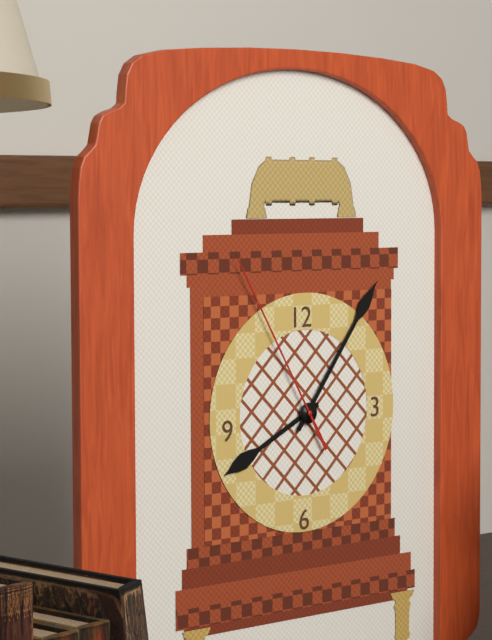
8:06:55
